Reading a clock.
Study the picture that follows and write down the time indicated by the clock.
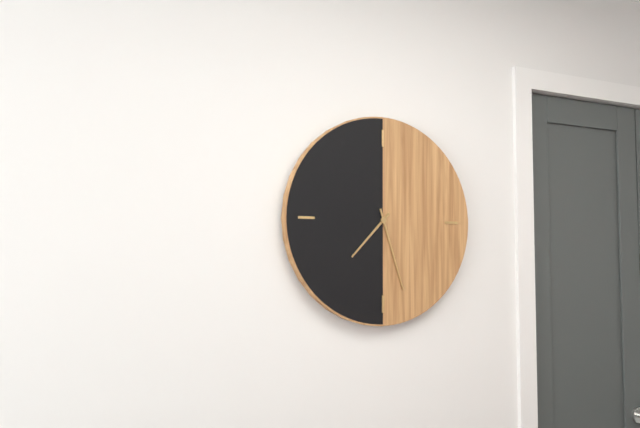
7:27
